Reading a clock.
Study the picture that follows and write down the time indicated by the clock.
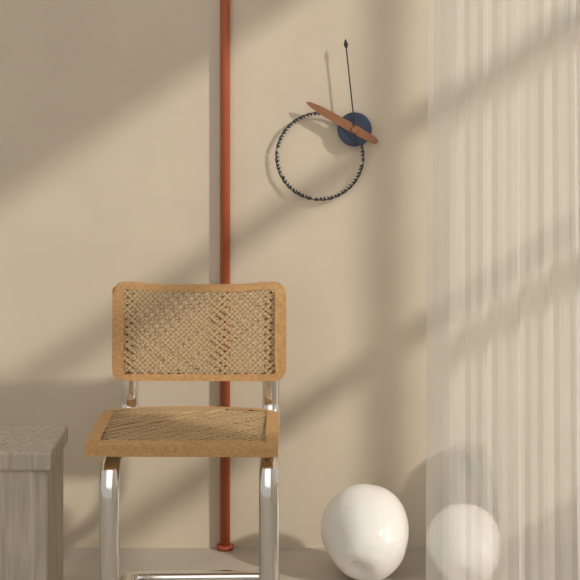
9:59
